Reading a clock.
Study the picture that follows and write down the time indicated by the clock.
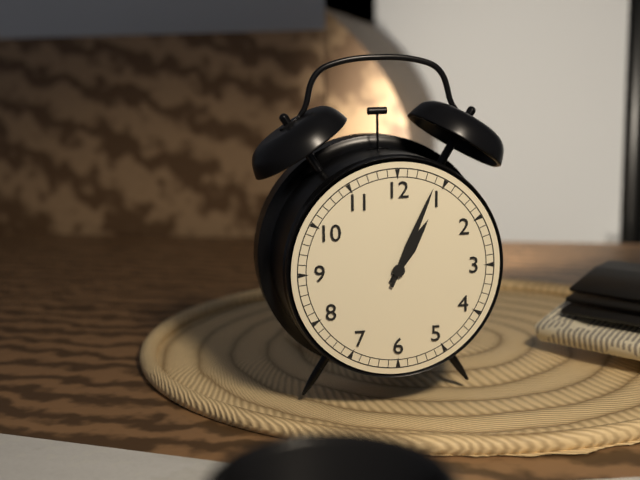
1:04
